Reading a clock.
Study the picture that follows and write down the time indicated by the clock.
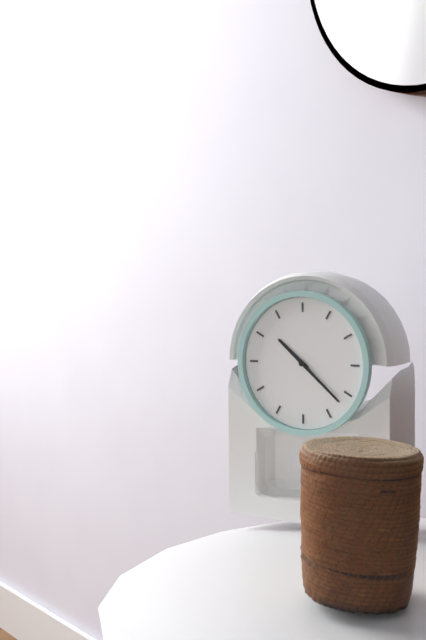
10:22
